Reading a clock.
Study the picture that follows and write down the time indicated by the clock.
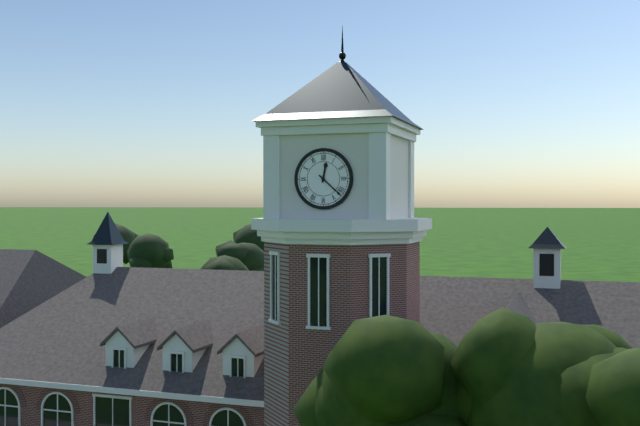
12:22
